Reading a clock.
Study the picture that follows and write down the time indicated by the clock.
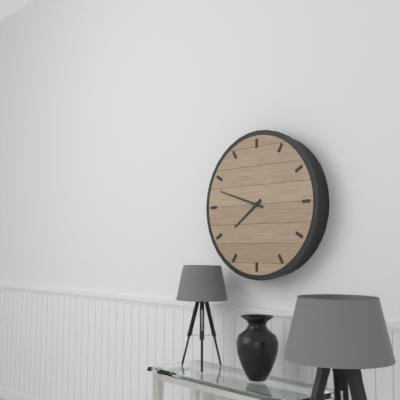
7:48
